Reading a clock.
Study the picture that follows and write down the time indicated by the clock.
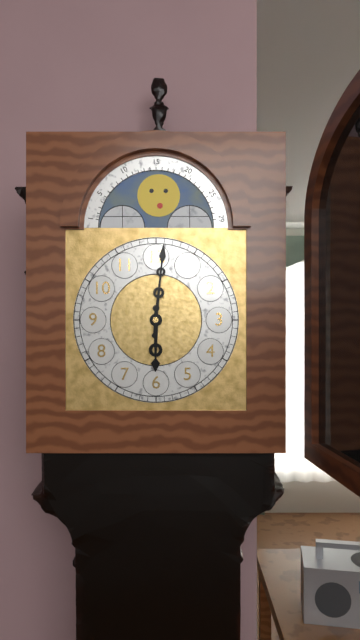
6:01
